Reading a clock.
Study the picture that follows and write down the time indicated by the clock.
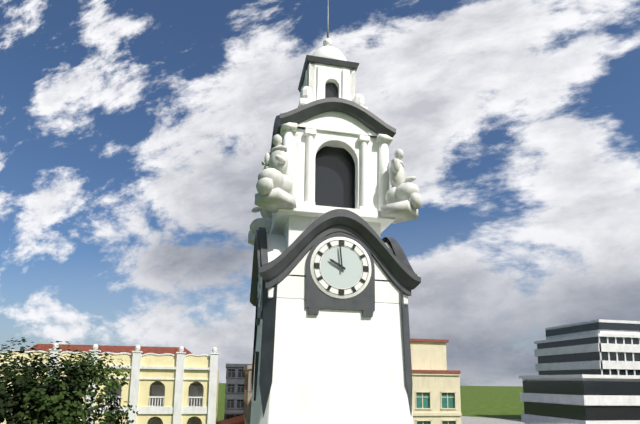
9:59
